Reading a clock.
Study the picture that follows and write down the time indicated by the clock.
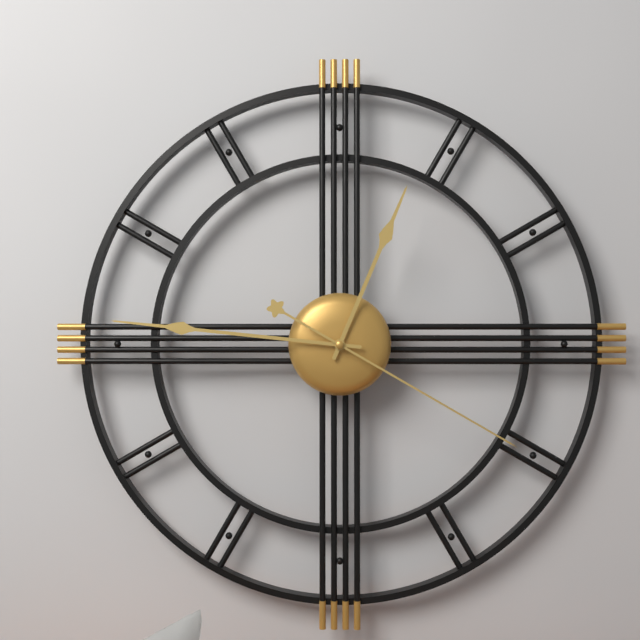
12:46:20
